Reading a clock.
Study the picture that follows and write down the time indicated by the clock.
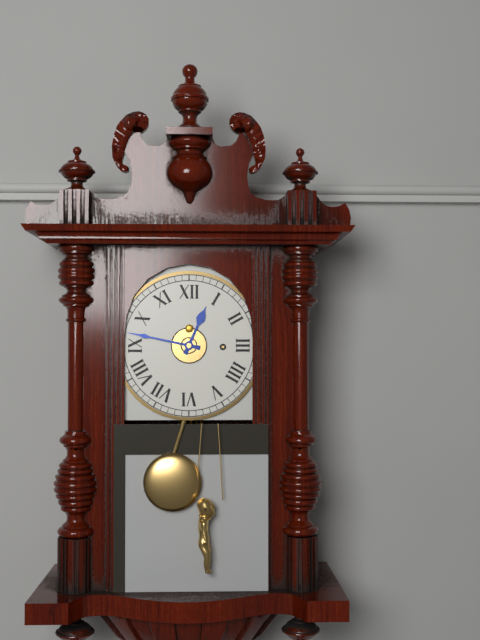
12:47
